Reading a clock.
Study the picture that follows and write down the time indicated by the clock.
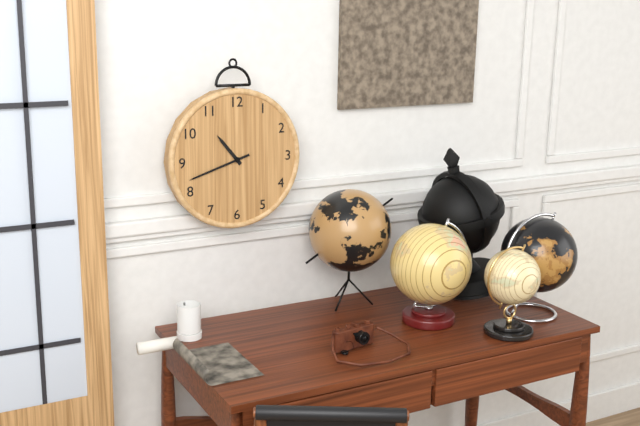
10:42
